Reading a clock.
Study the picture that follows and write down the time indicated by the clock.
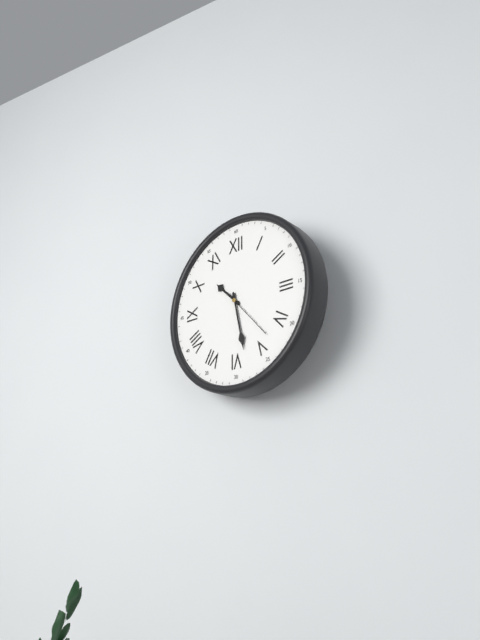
10:28:23
